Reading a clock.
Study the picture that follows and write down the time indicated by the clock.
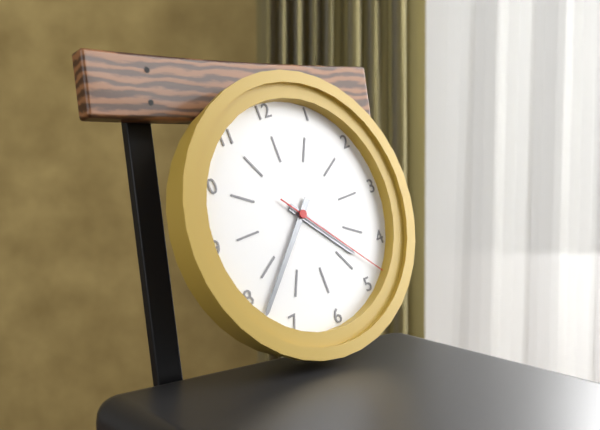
4:38:23
